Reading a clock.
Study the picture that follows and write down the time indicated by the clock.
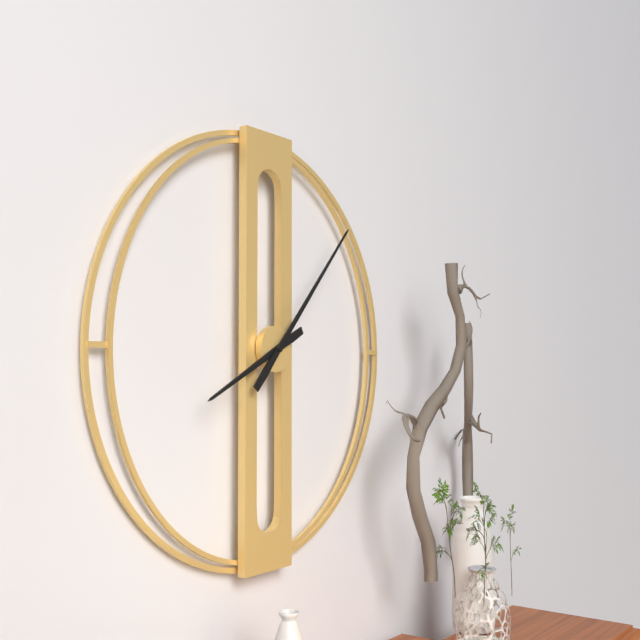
8:07
